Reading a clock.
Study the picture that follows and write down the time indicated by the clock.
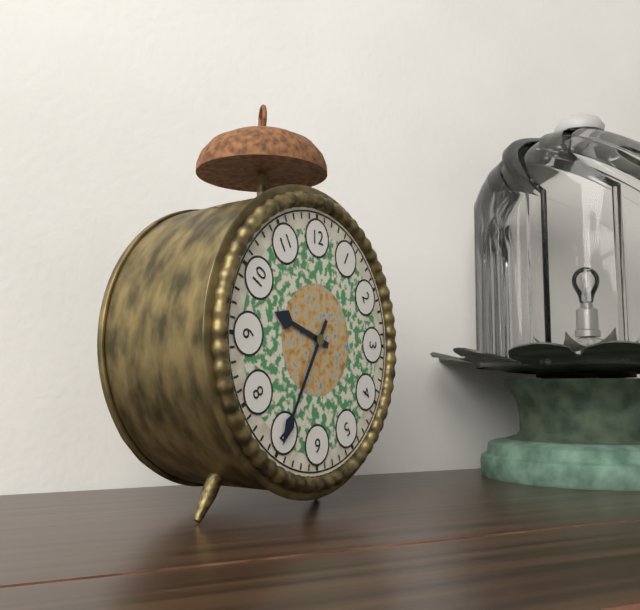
9:35
